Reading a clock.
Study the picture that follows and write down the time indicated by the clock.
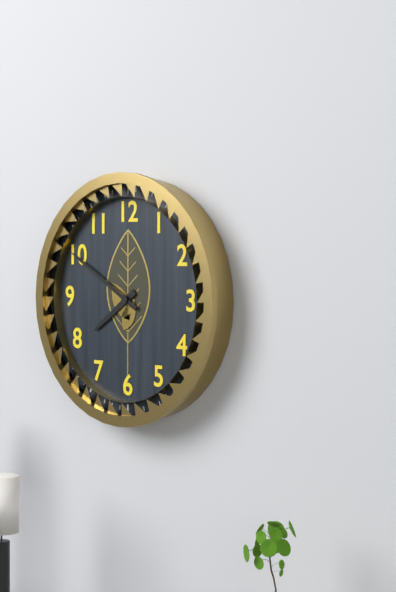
7:50
